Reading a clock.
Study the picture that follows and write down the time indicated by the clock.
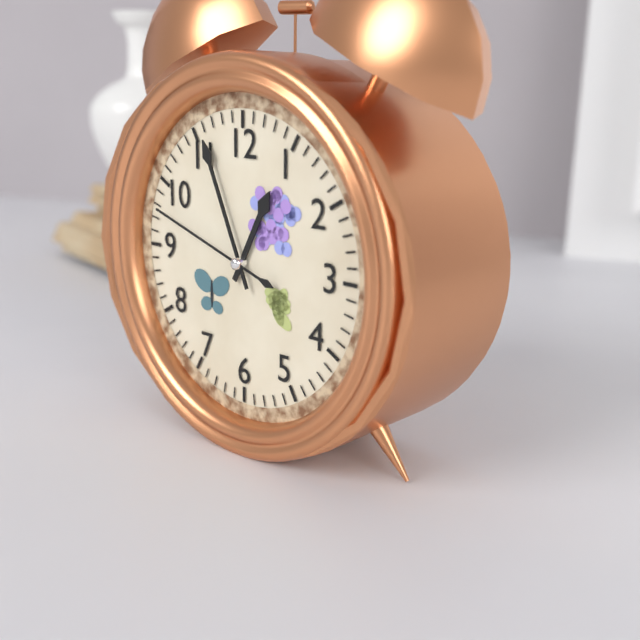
12:56:48
